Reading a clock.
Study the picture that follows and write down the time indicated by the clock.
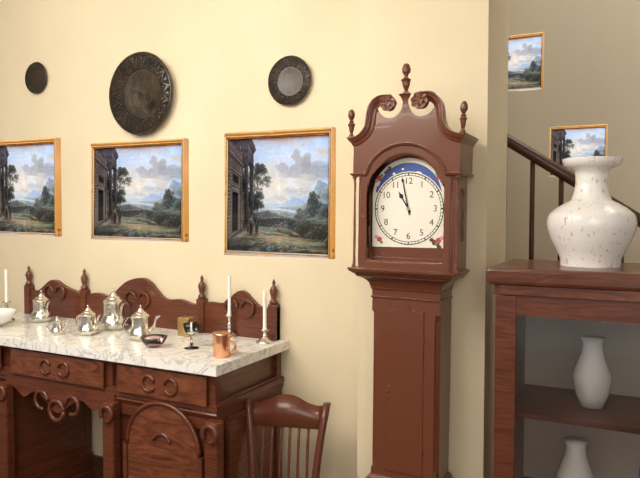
10:58
